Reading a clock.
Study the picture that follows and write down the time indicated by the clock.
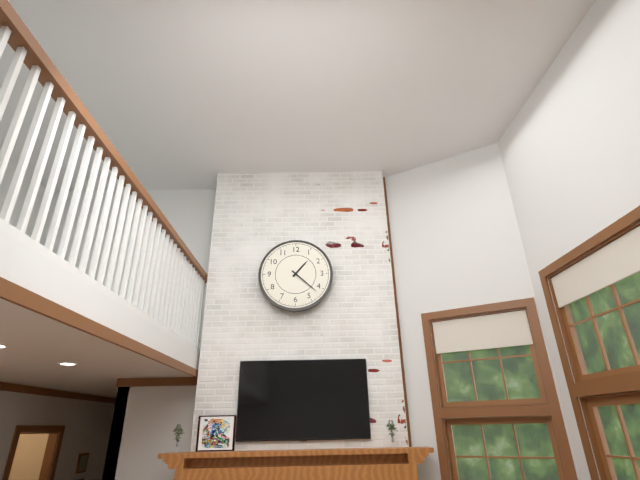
1:22
